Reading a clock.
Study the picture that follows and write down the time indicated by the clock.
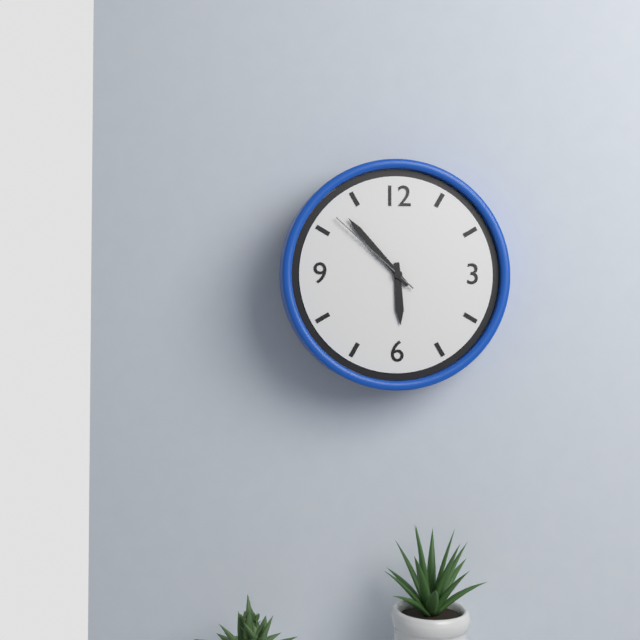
5:53:52
